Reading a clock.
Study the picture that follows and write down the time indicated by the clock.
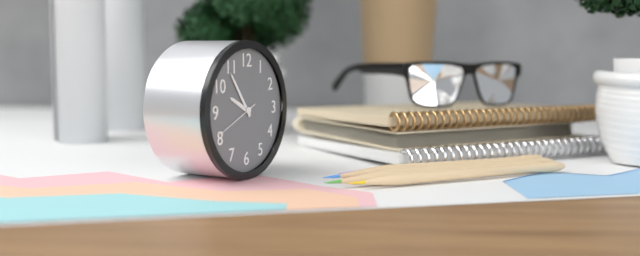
9:54
